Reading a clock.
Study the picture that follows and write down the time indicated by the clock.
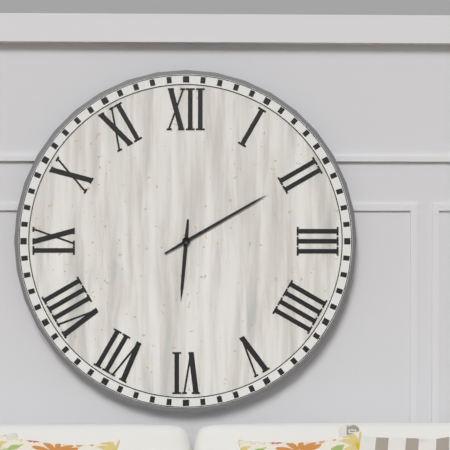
6:10
